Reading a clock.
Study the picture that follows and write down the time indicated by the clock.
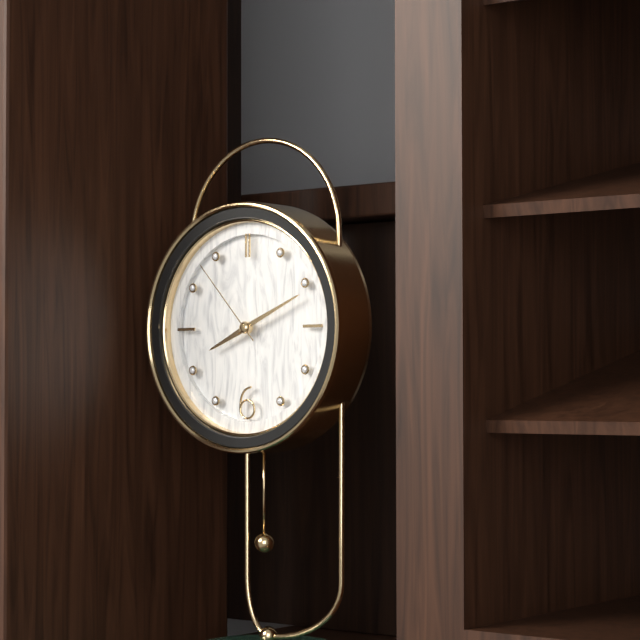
8:11:53
